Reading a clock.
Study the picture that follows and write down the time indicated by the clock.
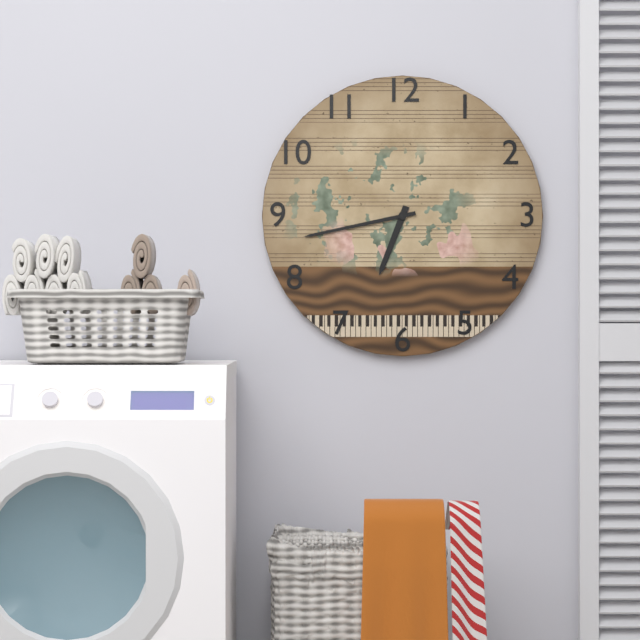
6:43
